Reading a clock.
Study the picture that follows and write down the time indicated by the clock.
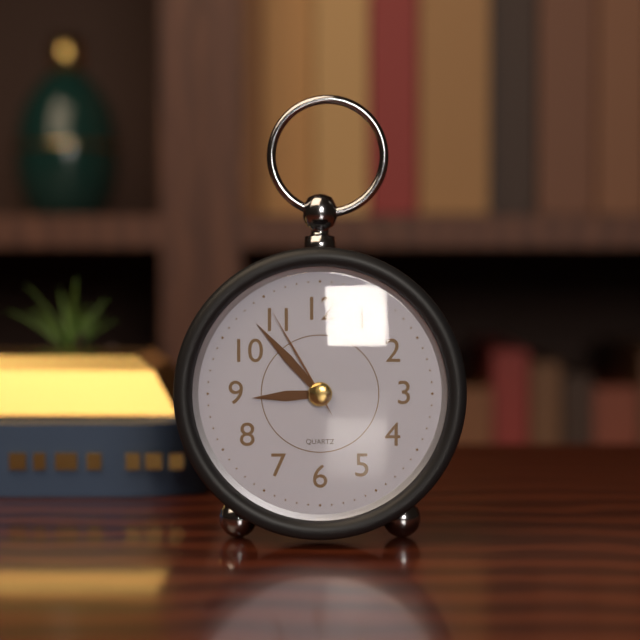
8:53:55
